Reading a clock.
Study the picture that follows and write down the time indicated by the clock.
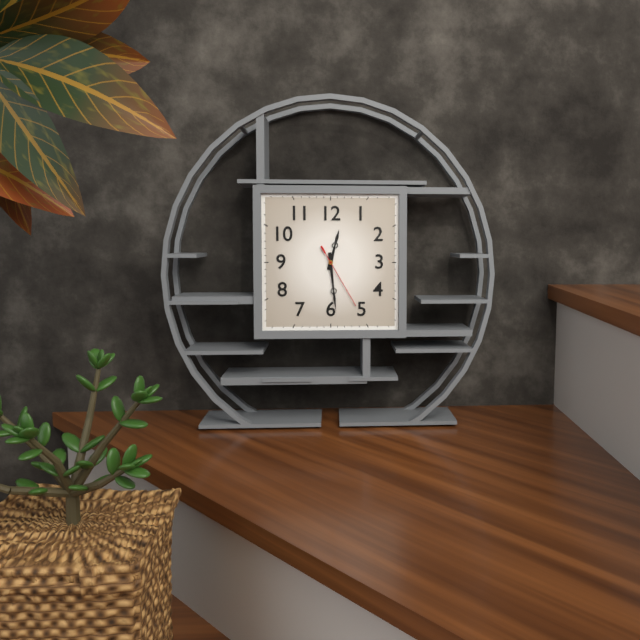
12:29:25
